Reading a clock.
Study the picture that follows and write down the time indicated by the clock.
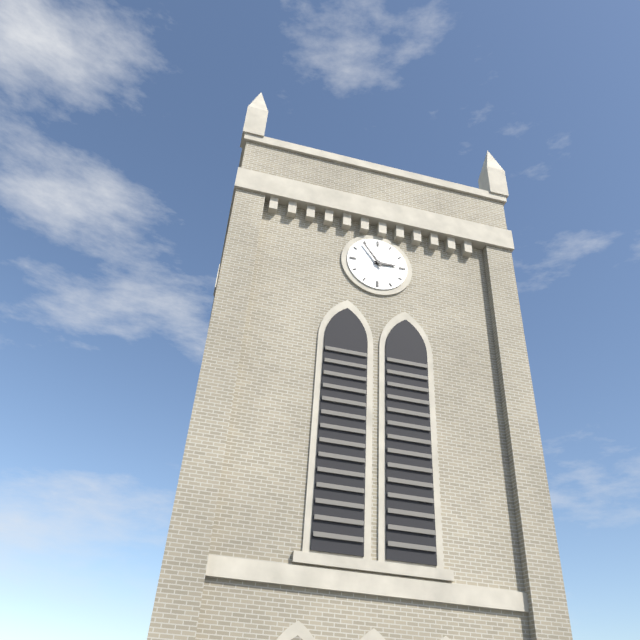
2:54
